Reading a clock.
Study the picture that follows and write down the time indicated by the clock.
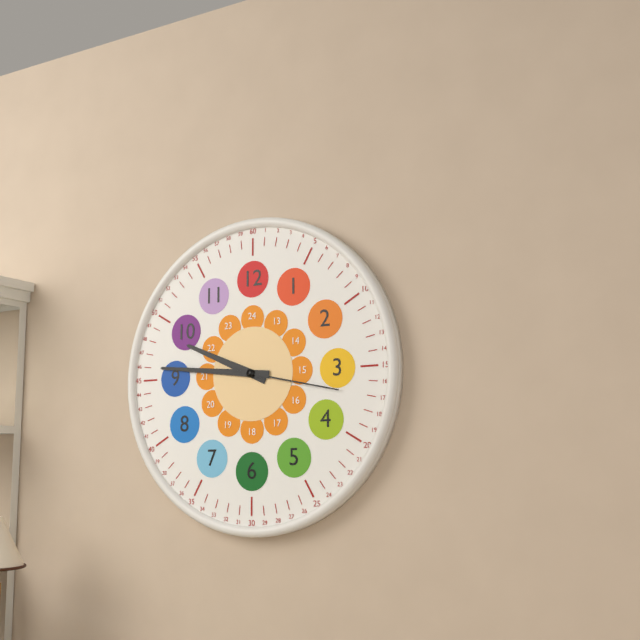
9:46:17
